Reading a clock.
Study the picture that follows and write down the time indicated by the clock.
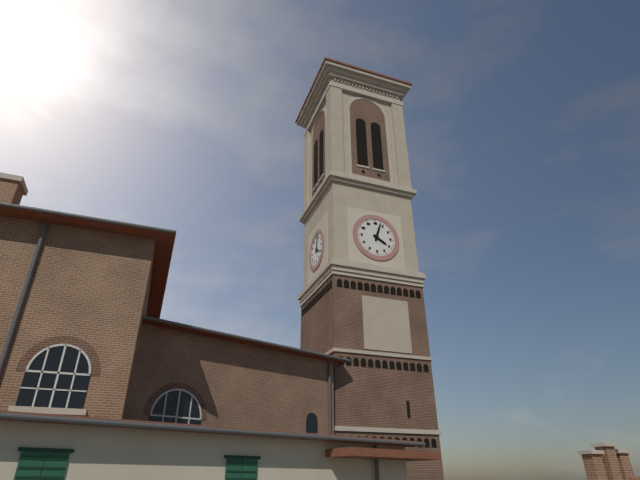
4:03
